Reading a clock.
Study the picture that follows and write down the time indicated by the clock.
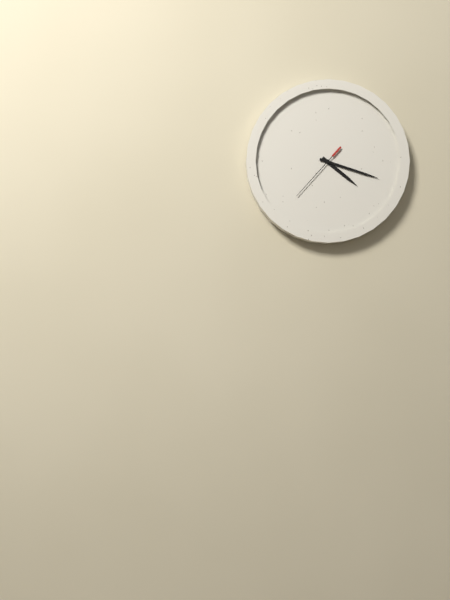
4:18:37
